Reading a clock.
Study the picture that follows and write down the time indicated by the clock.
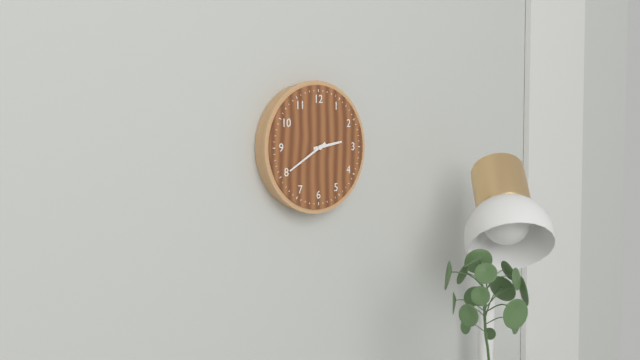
2:40
